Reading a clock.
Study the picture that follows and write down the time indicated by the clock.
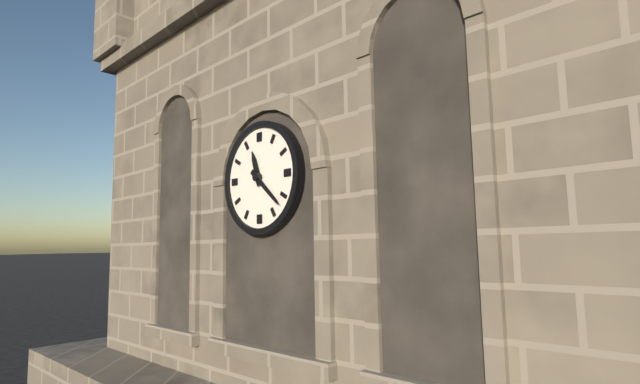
11:22
